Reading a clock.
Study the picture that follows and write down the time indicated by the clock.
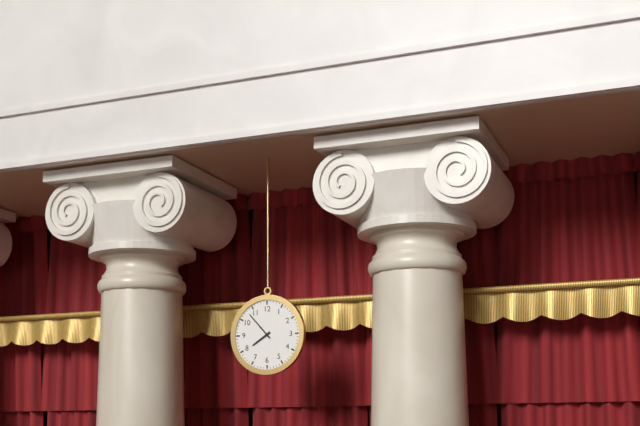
7:53
